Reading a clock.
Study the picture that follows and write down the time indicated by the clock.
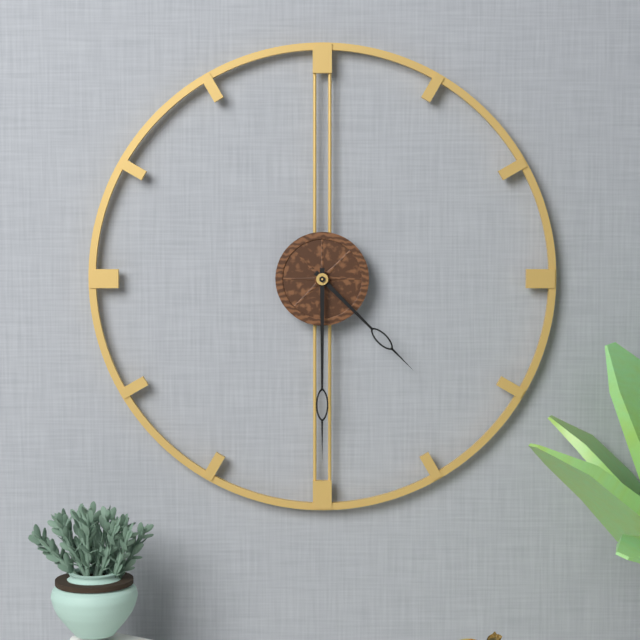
4:30
